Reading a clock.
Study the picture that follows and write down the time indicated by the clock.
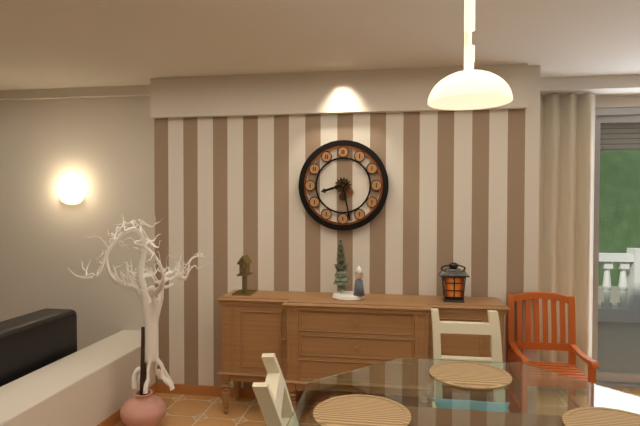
8:28
